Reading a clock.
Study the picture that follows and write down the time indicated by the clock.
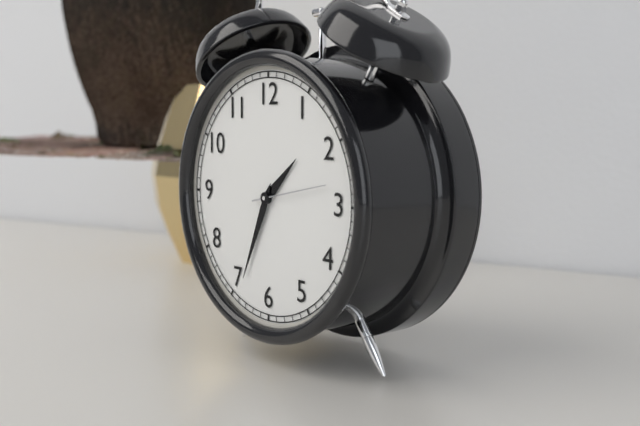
1:34:13
